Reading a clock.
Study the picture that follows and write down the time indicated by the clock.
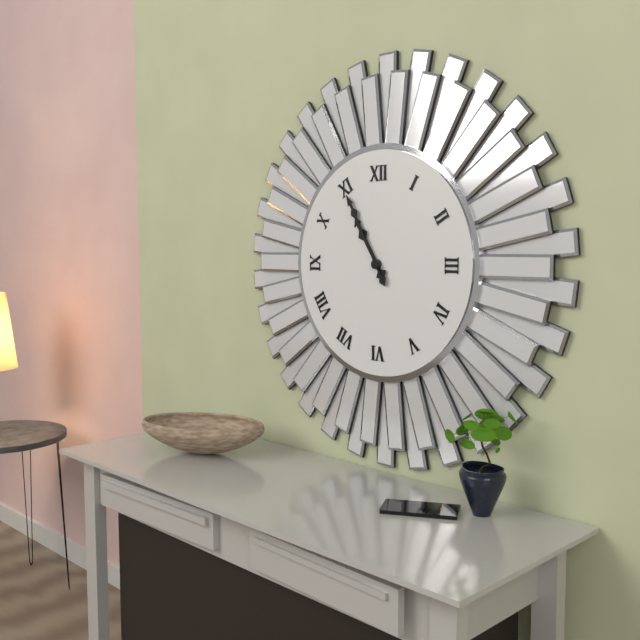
10:55
